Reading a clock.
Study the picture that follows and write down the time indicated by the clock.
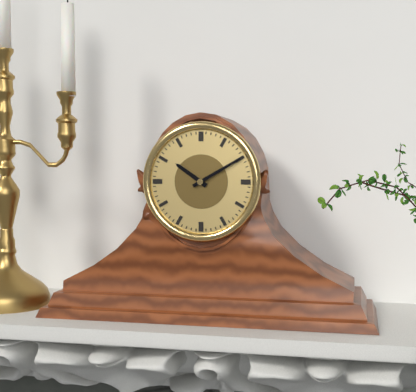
10:10
